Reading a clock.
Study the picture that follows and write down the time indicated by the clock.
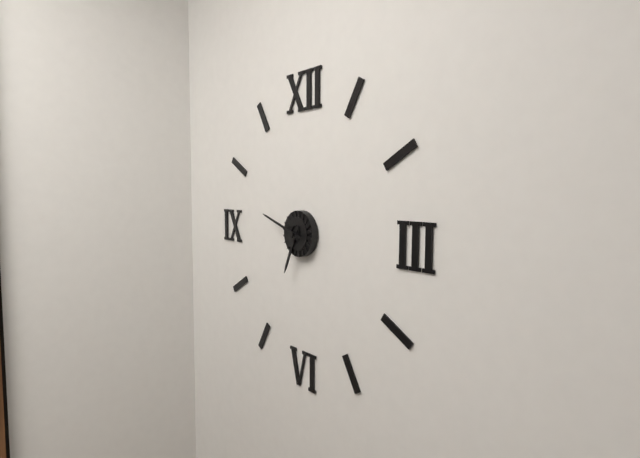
6:48
